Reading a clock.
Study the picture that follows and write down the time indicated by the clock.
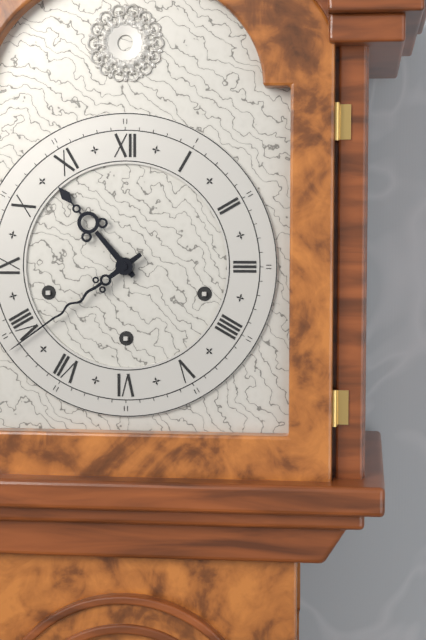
10:39
